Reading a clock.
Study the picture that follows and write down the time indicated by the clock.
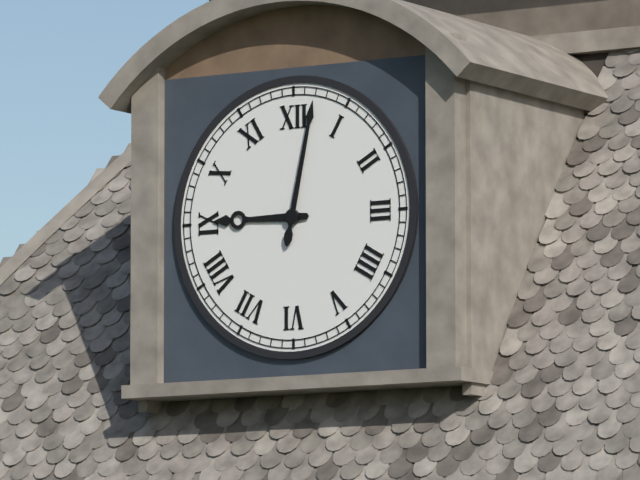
9:02
